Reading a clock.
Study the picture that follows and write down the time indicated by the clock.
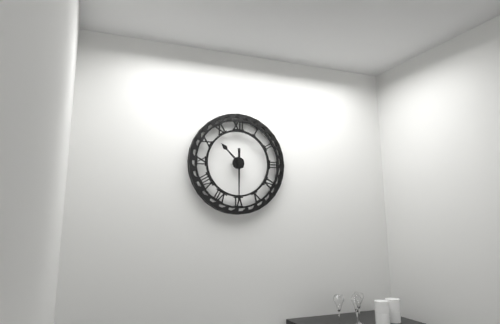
10:30
